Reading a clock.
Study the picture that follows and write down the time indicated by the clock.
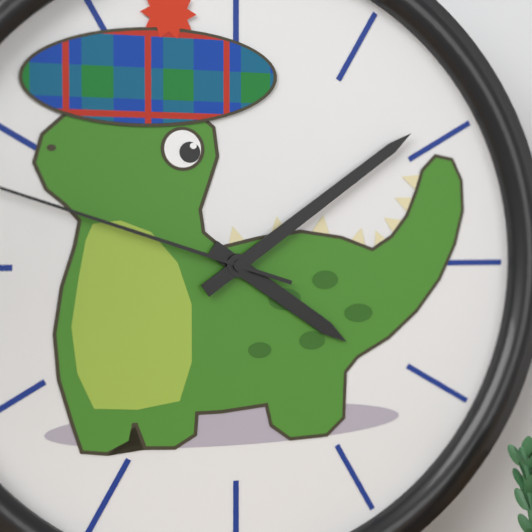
4:09
